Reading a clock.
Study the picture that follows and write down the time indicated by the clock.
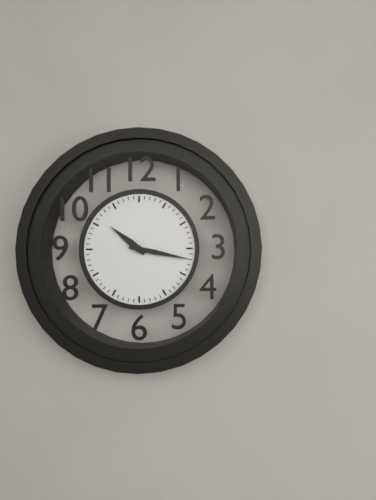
10:17
